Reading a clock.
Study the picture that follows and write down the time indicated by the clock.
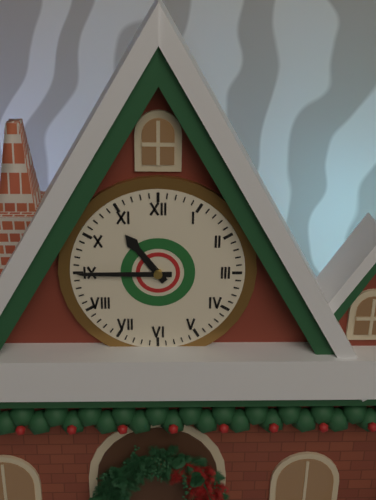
10:45
